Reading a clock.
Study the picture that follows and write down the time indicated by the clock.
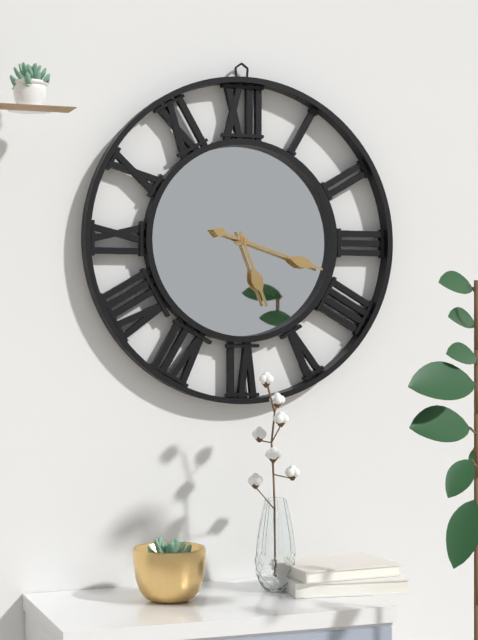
5:18
